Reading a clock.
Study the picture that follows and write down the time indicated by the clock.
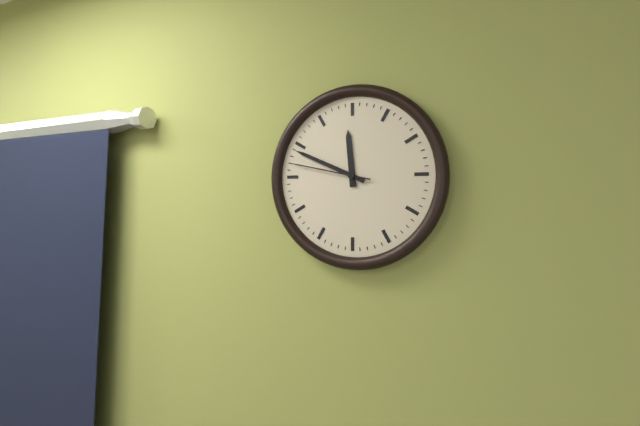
11:49:47
